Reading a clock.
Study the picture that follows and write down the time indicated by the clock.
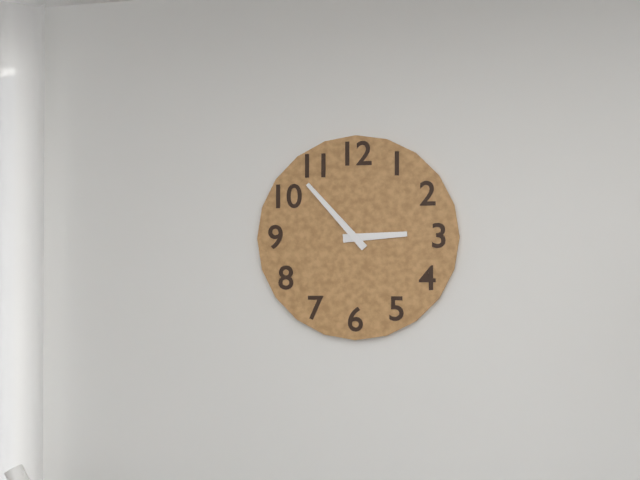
2:53
